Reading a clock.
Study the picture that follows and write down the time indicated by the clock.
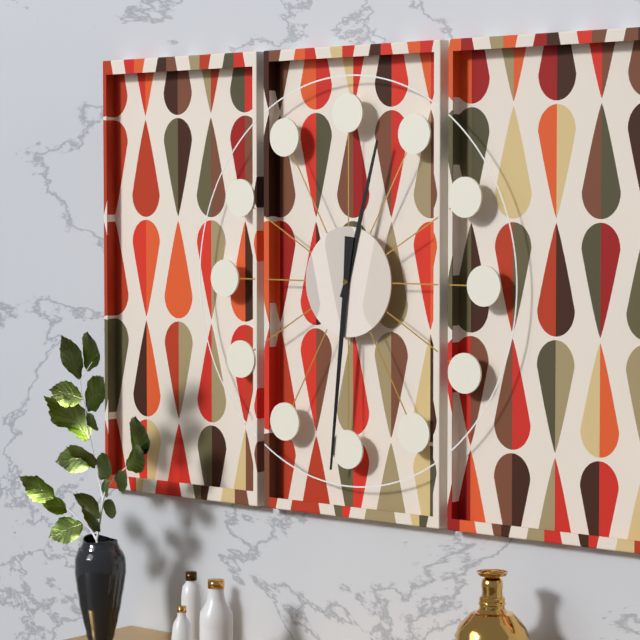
12:31
